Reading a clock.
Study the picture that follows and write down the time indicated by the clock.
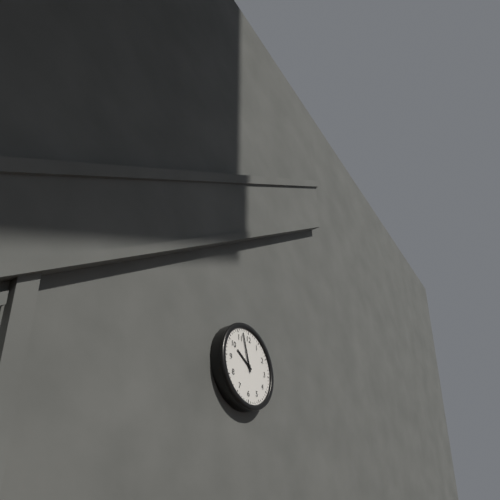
9:57
